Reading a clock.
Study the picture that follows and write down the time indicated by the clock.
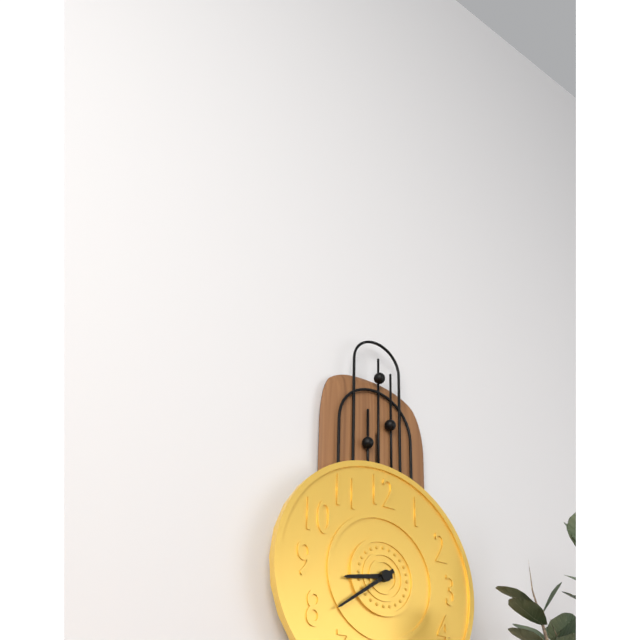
8:39
